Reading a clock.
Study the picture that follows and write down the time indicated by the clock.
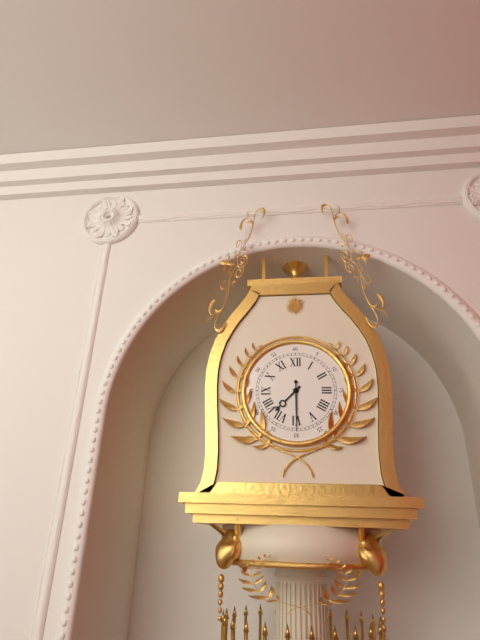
7:30
